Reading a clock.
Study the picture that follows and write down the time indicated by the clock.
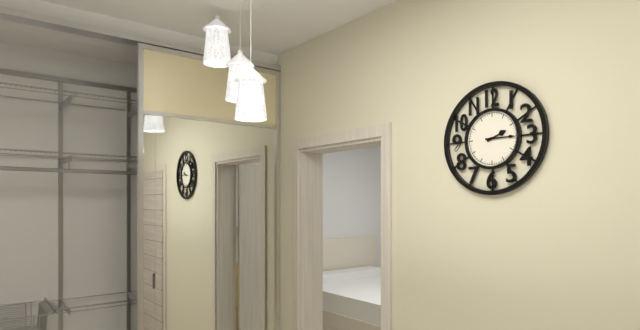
2:15
